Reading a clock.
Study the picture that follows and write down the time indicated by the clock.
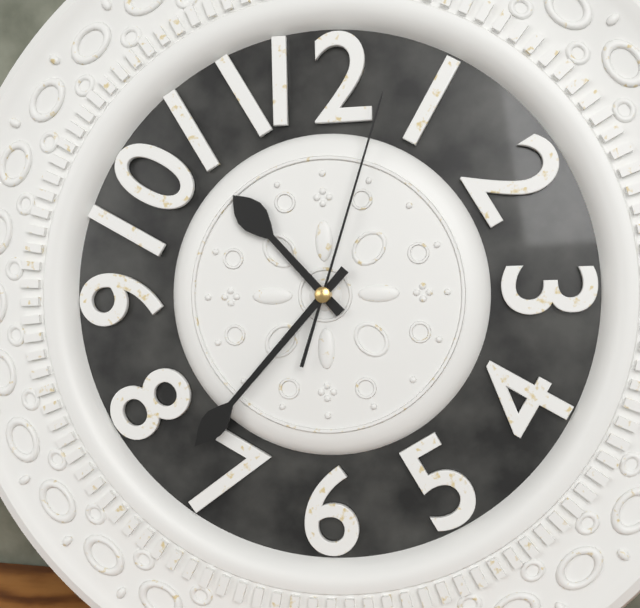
10:37:03
